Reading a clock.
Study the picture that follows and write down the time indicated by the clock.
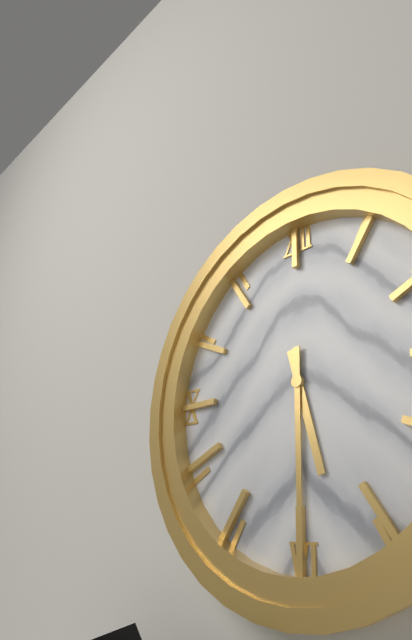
5:30
